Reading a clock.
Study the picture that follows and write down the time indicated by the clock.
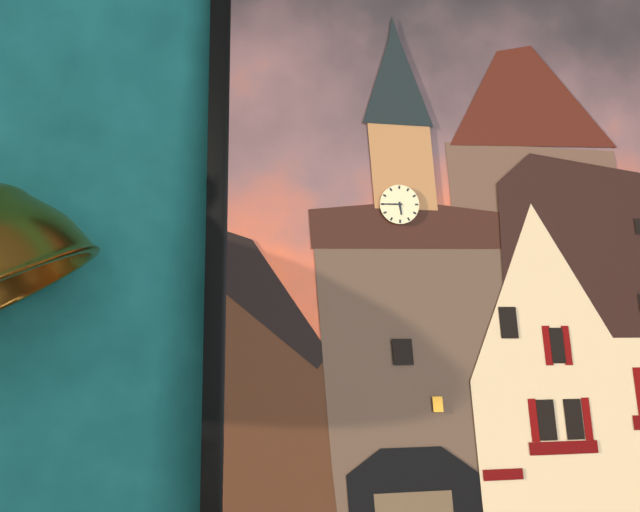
5:45
